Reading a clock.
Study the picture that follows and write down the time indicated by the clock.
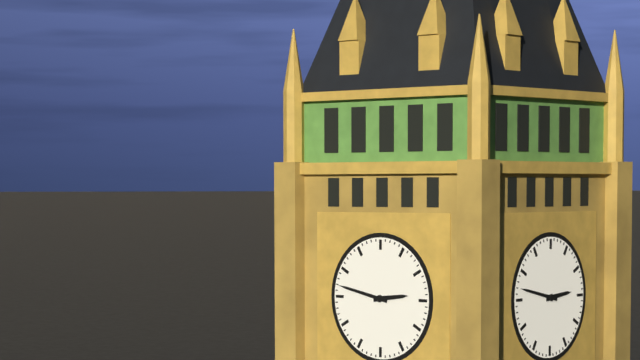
2:47
